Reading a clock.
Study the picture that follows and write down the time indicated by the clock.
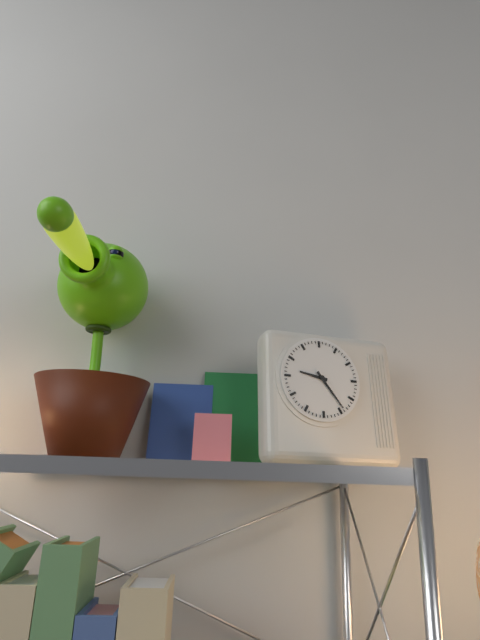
9:24
